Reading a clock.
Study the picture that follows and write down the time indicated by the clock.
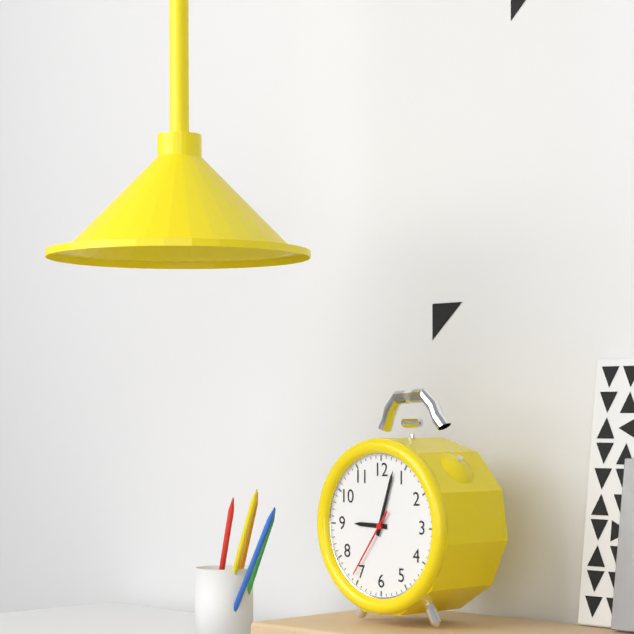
9:03:36
